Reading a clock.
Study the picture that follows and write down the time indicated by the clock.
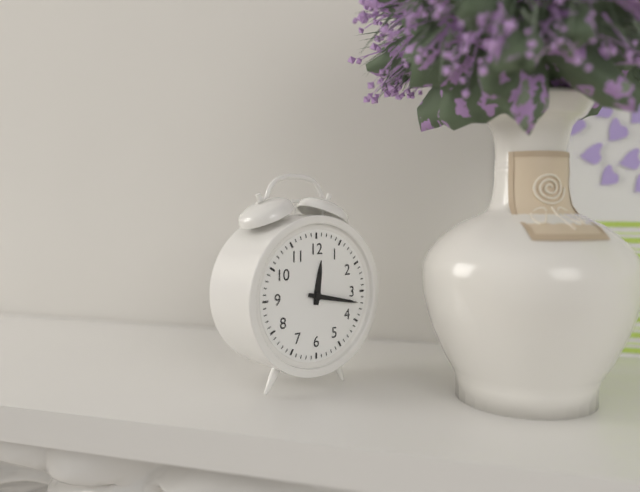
12:17
